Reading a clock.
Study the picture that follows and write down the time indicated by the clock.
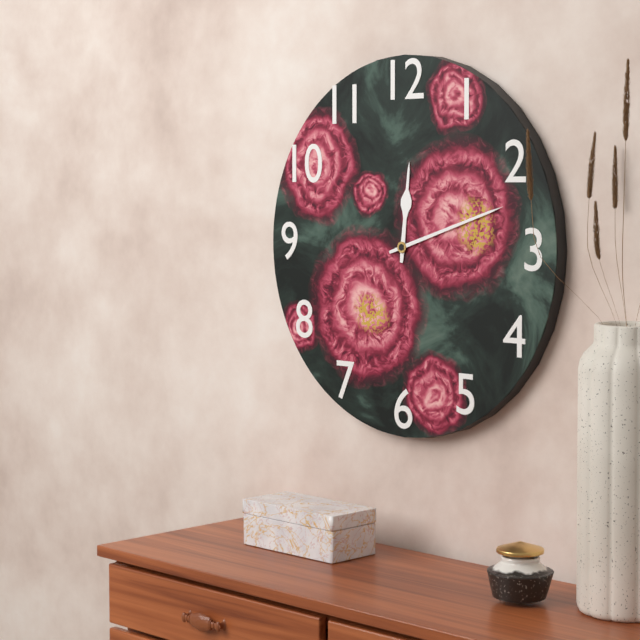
12:12
